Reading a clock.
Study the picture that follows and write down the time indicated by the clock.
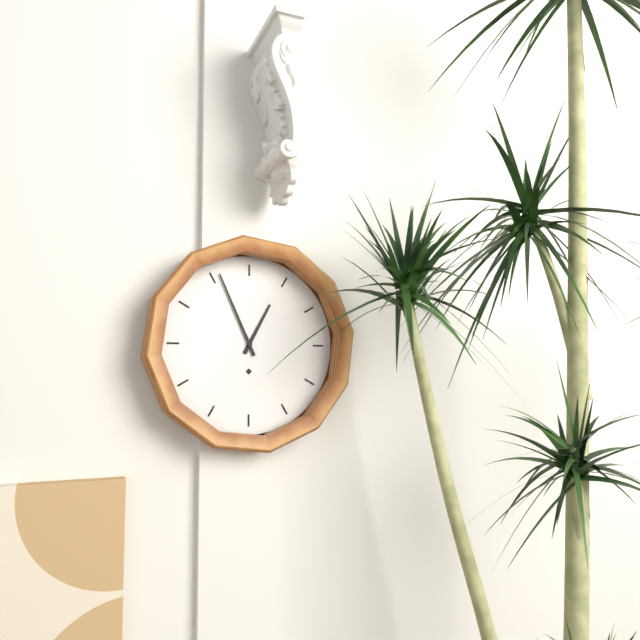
12:56
